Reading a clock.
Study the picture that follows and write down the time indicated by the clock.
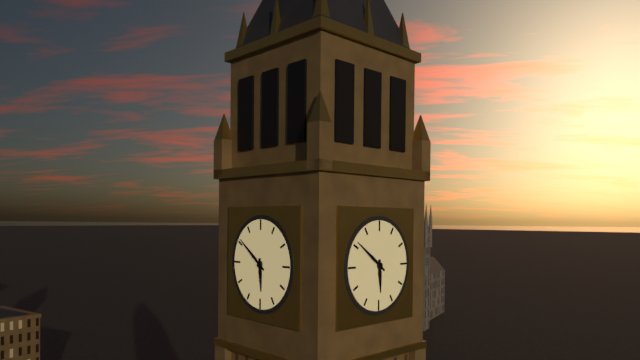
5:51
